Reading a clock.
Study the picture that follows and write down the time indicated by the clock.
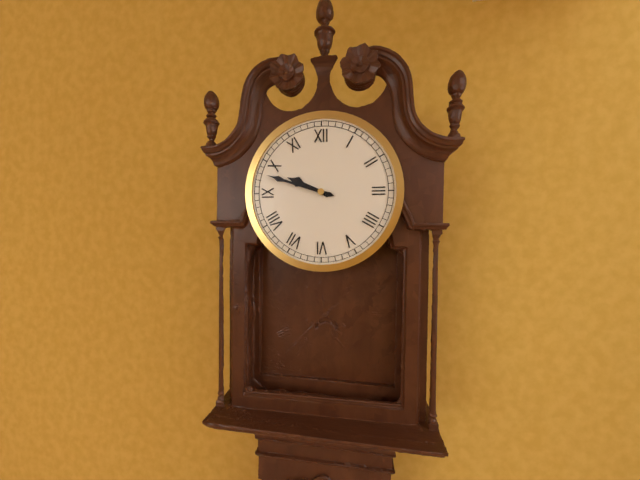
9:48
